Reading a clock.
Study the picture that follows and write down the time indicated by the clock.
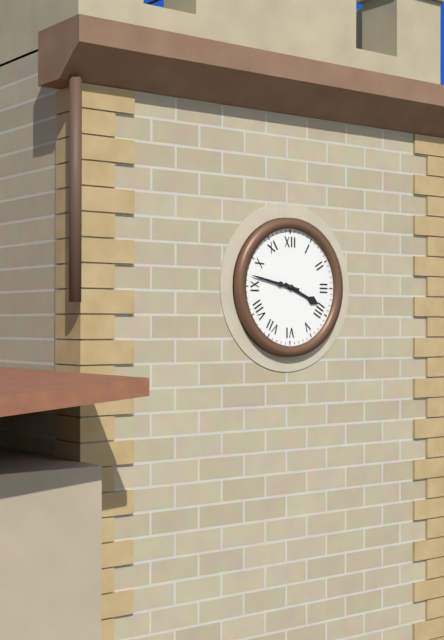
3:47
